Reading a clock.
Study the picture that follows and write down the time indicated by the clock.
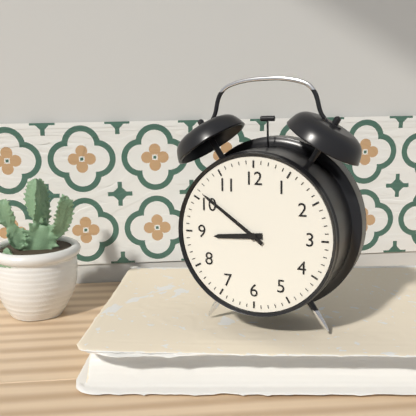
8:51
